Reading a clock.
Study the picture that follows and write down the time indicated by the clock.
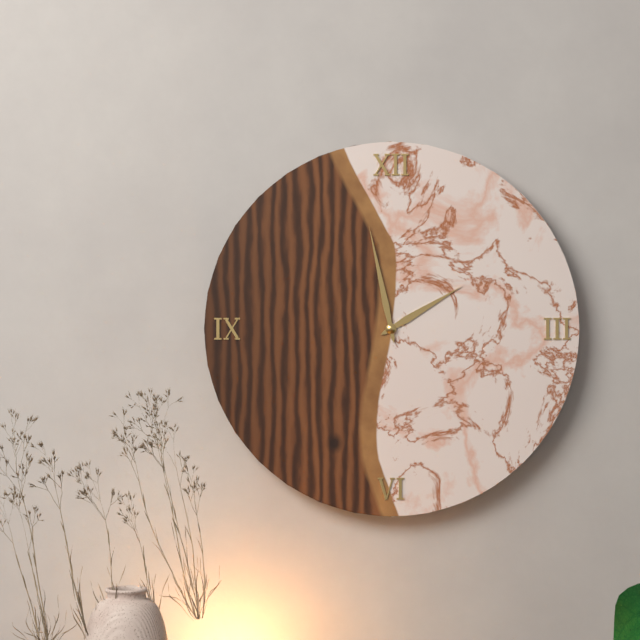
1:58
